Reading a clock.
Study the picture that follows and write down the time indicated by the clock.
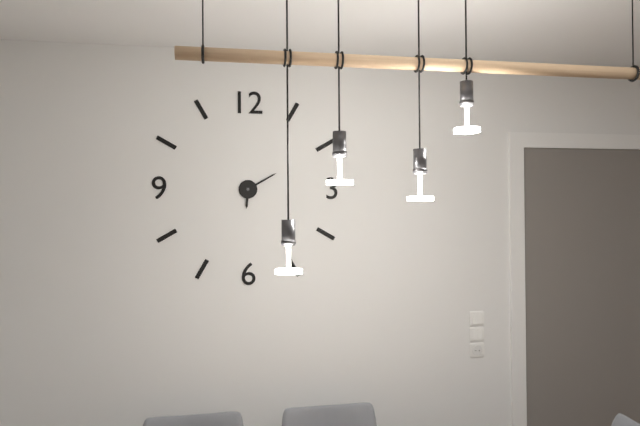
6:10
